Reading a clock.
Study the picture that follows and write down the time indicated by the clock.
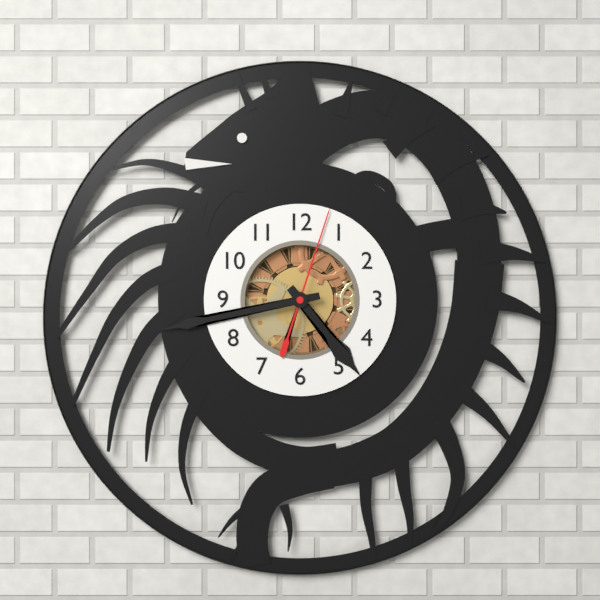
4:43:03
